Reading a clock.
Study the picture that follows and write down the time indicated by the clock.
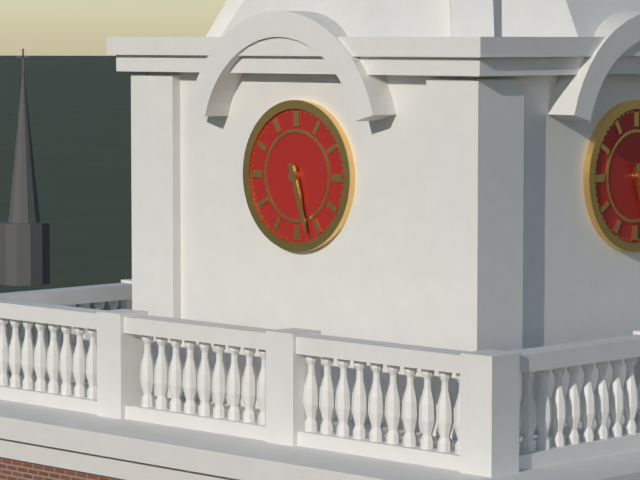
5:27
